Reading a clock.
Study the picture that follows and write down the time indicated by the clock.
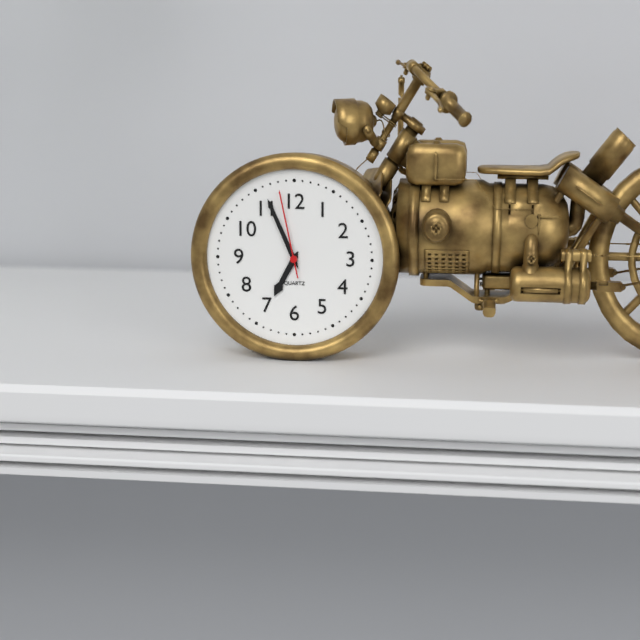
6:56:58
